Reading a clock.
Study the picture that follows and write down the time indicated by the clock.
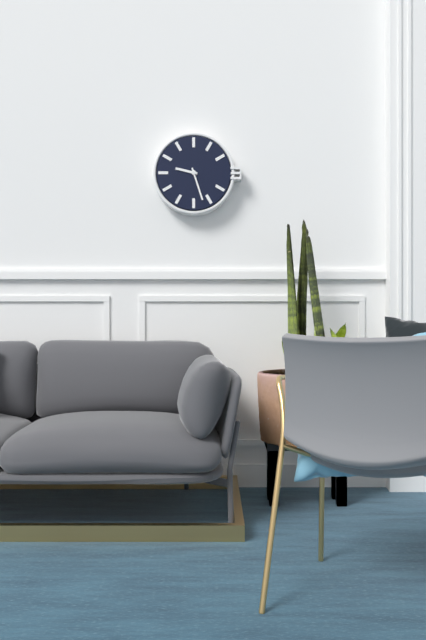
9:27
